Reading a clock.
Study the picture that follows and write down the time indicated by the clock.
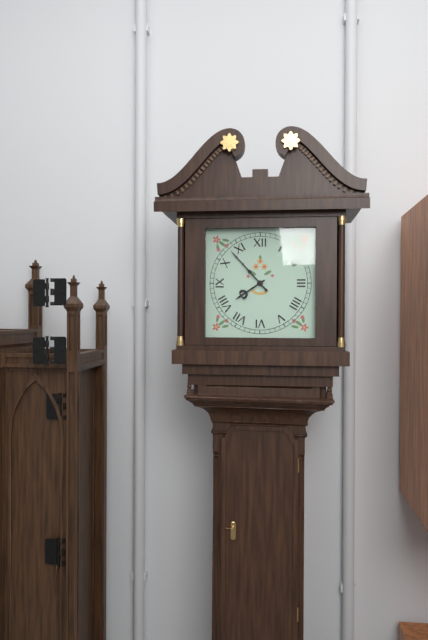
7:53
